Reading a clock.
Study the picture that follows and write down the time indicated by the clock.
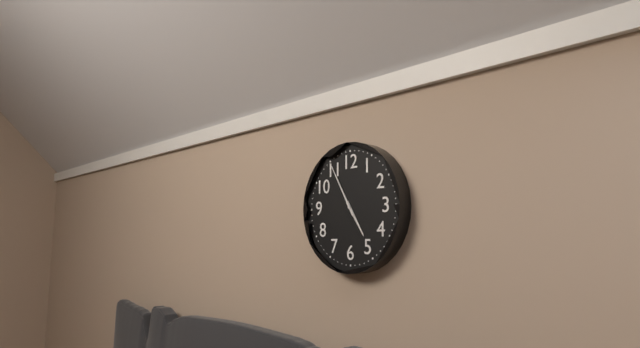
4:55
